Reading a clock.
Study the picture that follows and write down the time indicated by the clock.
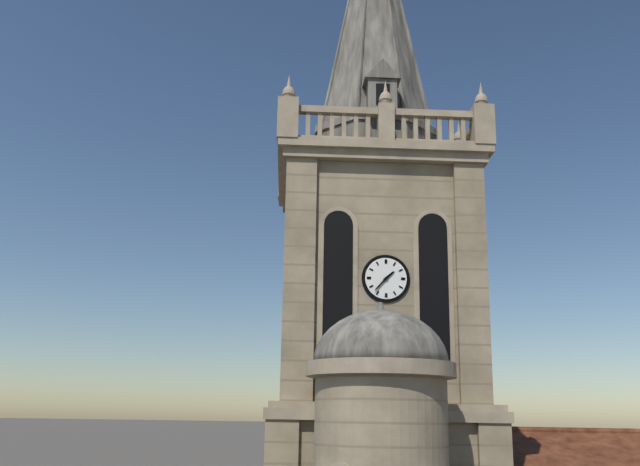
1:37
